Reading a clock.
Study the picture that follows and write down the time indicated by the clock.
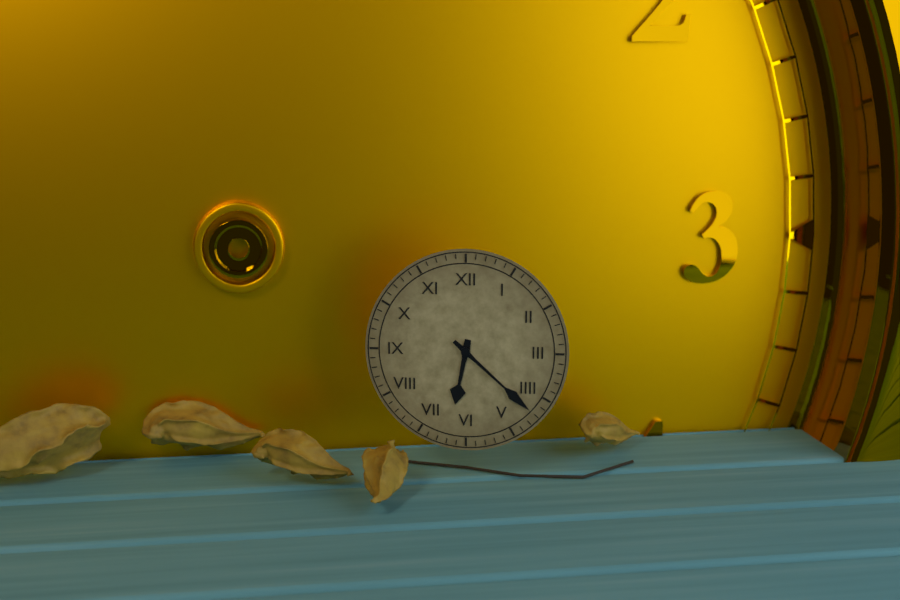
6:22
